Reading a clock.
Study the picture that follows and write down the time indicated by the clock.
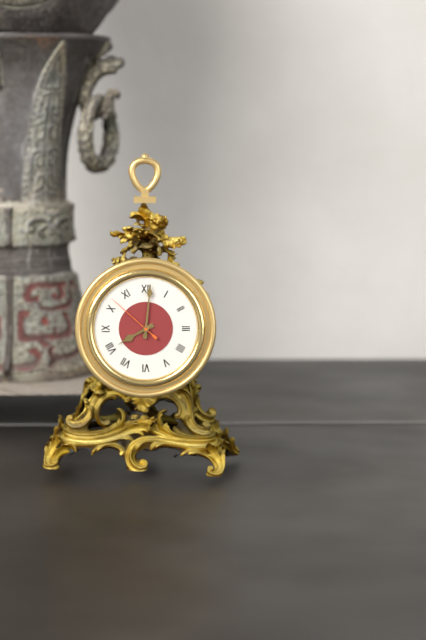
8:01:52
